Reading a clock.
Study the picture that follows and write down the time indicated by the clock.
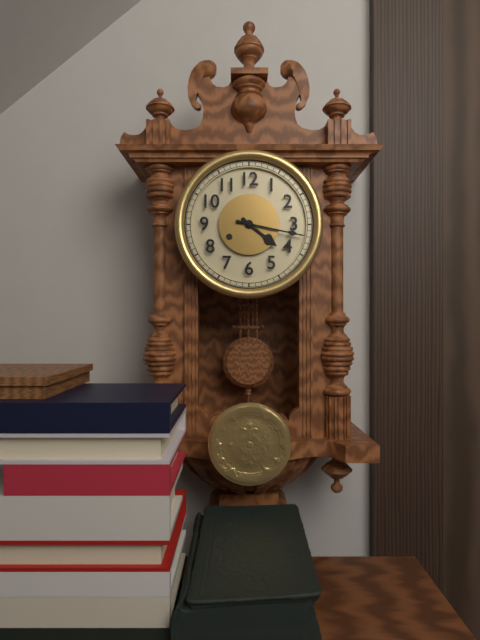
4:17
